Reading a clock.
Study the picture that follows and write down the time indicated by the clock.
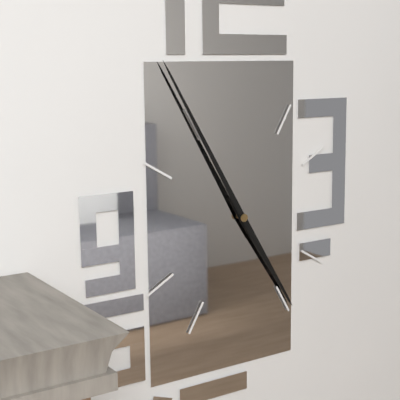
4:55
